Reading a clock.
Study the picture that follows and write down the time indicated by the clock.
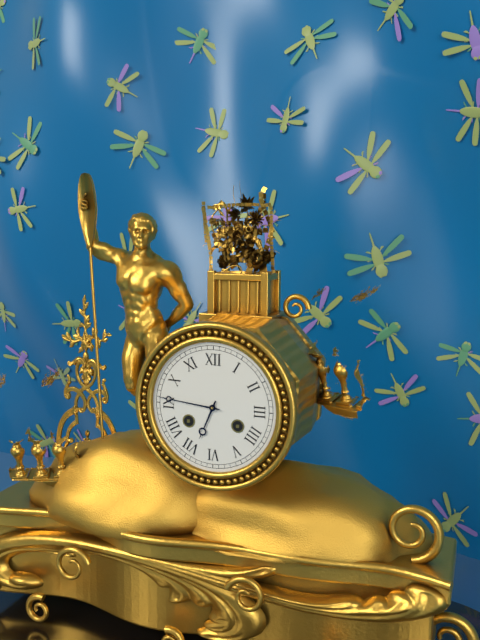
6:46
